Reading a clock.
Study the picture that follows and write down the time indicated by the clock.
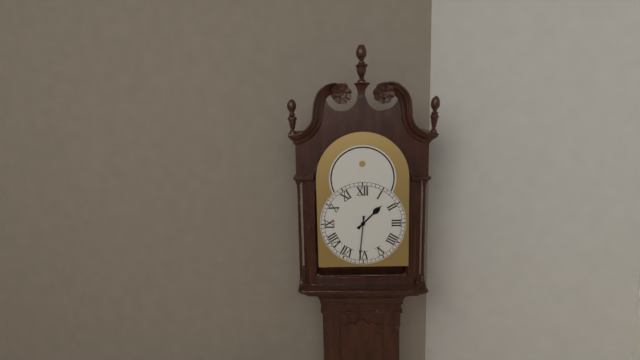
1:31
